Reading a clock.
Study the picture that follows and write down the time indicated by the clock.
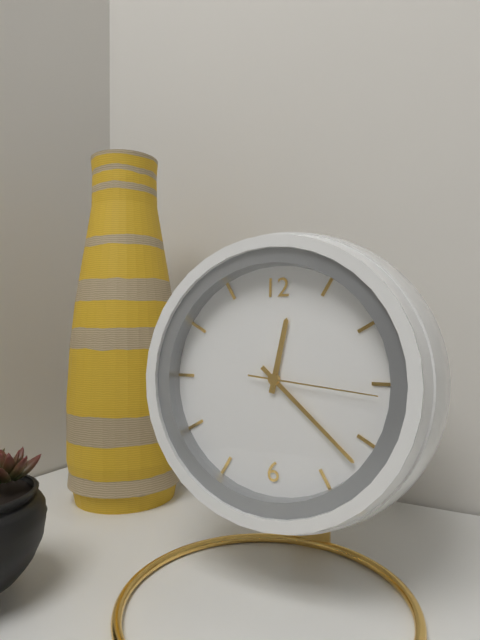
12:22:16
